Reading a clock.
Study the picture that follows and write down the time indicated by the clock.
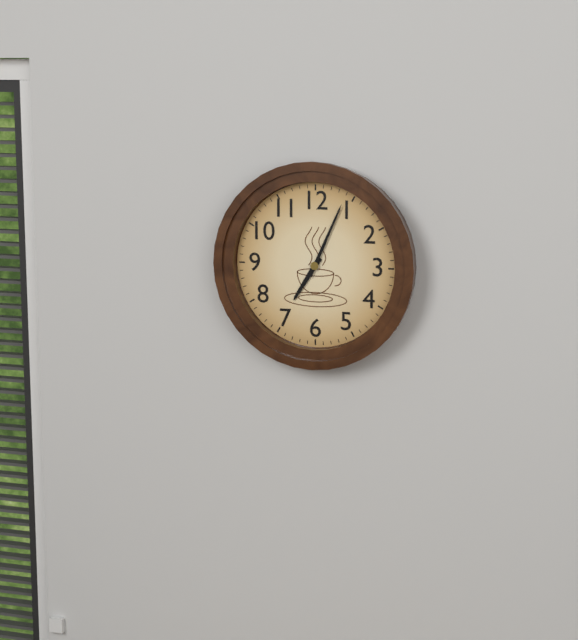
7:04
